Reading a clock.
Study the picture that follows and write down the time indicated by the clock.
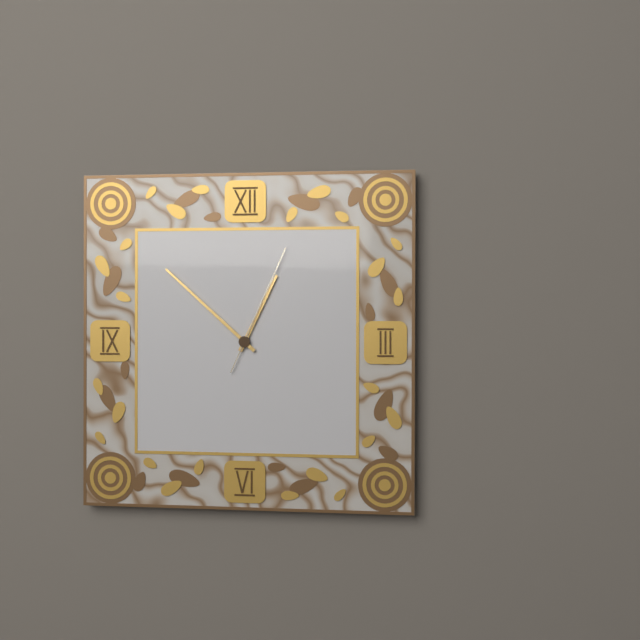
12:52:04
